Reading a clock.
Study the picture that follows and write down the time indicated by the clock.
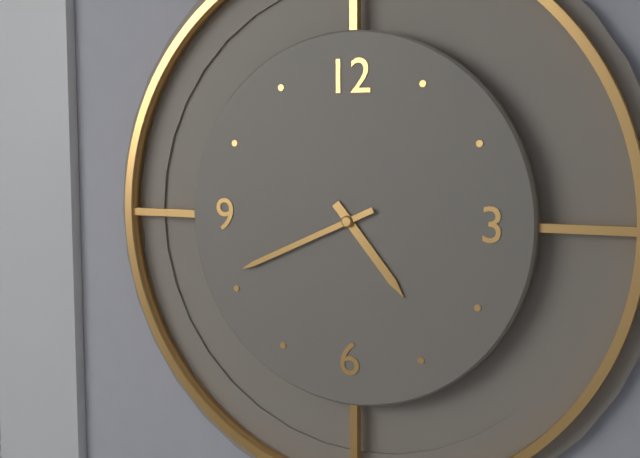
4:41
